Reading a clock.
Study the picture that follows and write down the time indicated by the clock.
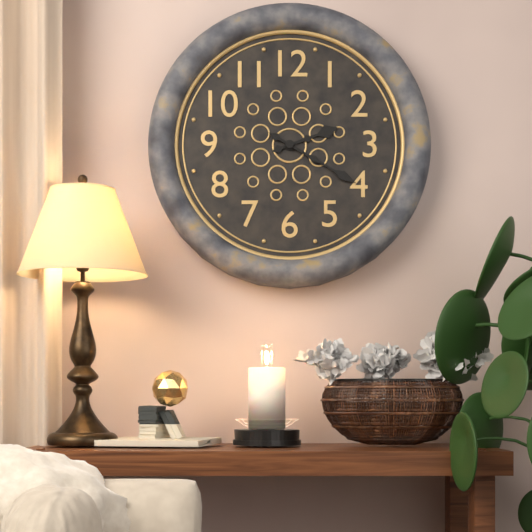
2:20
